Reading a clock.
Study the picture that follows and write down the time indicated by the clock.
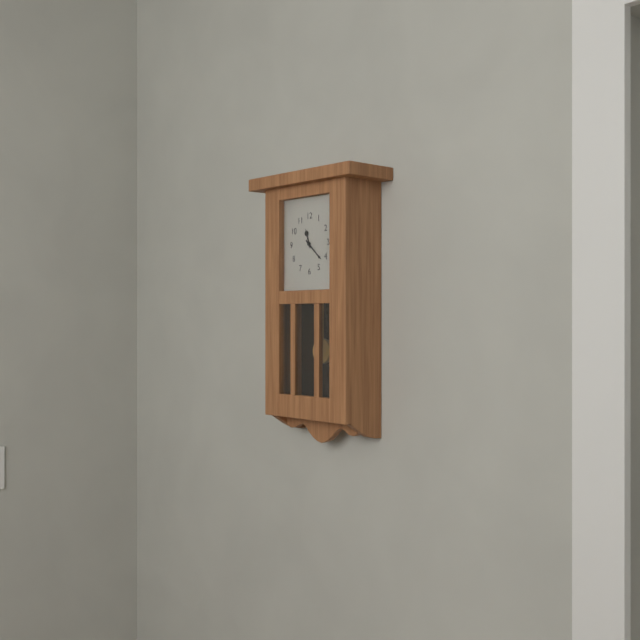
11:22
